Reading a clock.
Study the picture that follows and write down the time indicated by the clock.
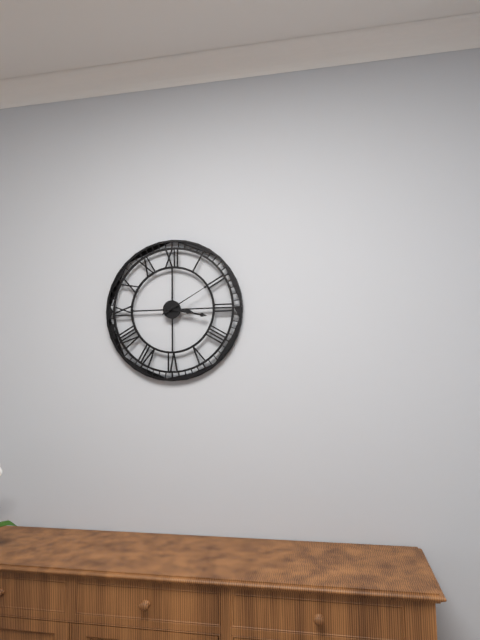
3:17:10
